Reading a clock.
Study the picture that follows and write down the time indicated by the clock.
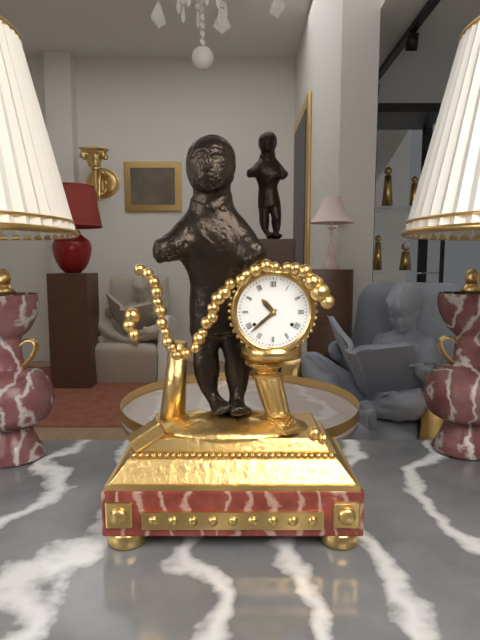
10:38
